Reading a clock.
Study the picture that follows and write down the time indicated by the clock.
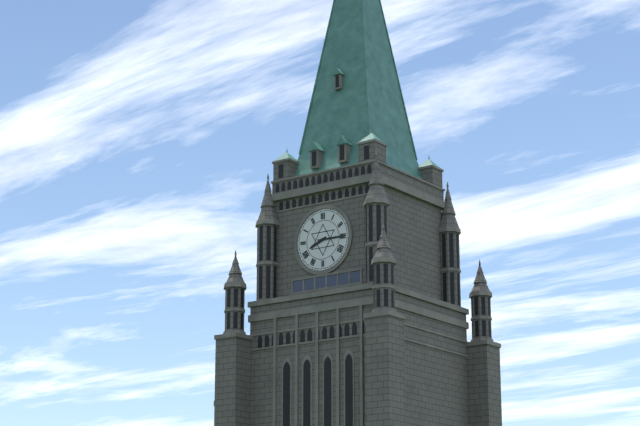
8:15
